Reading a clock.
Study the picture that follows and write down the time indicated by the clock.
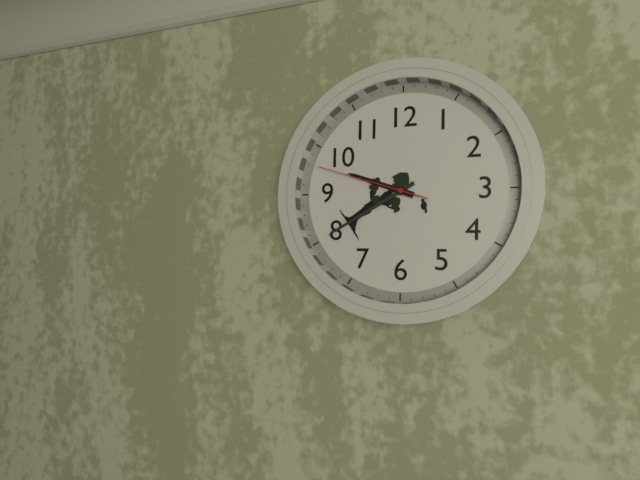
9:40:48
